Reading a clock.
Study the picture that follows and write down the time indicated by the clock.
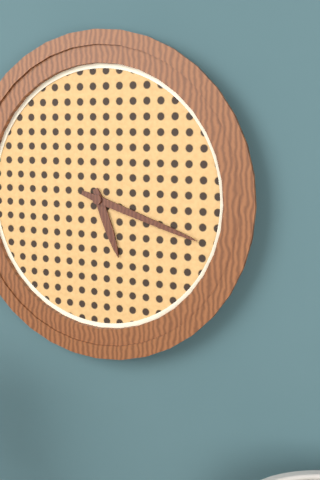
5:18
